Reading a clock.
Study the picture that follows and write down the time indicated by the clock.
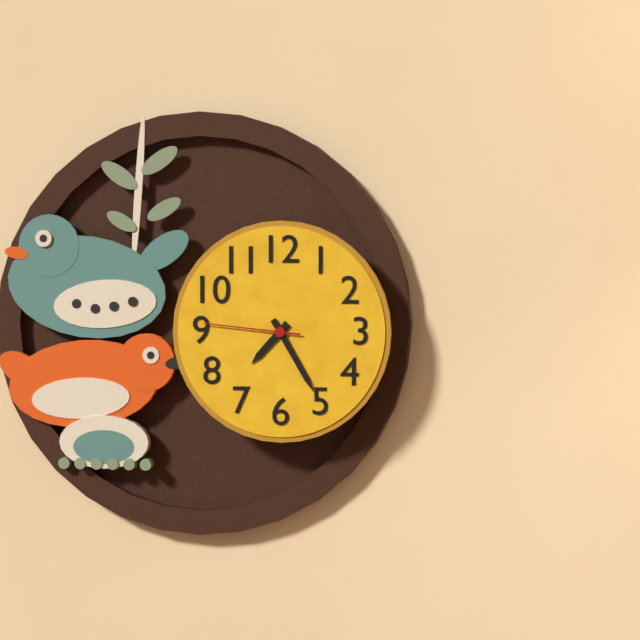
7:25:46
